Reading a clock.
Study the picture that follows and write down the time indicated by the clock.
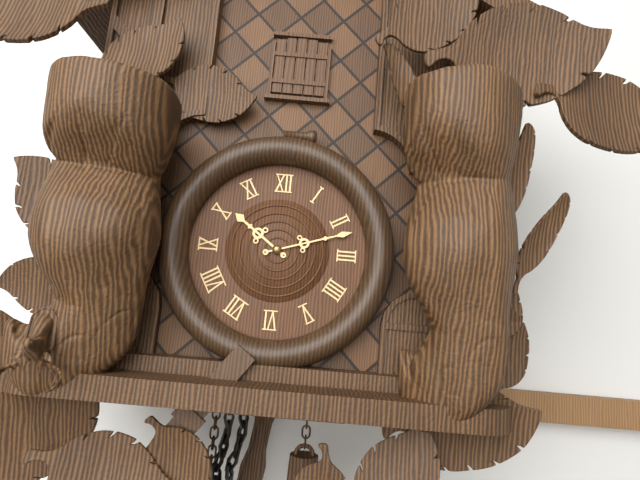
10:12
